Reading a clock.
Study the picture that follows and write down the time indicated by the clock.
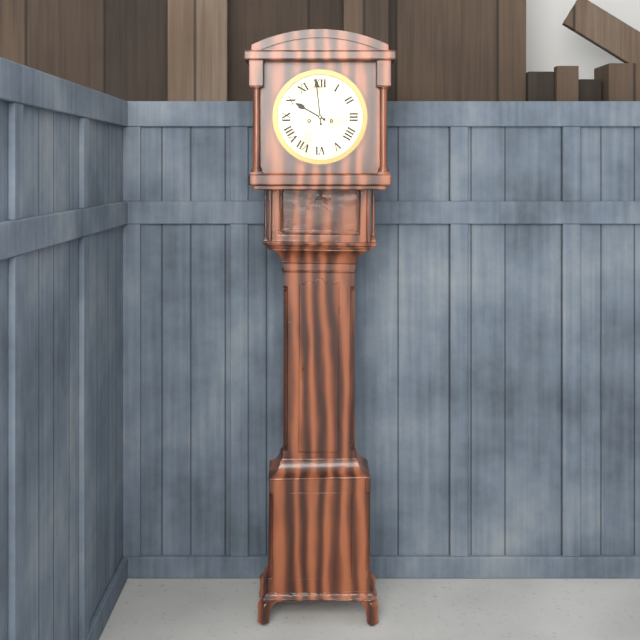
9:59
